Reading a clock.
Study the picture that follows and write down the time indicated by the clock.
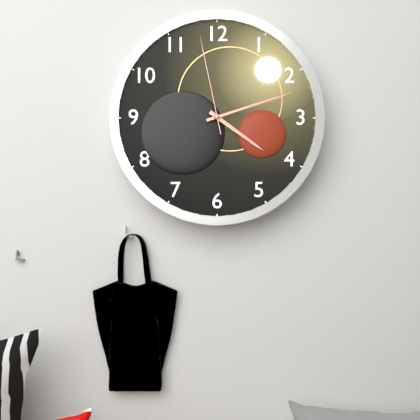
4:12:58
